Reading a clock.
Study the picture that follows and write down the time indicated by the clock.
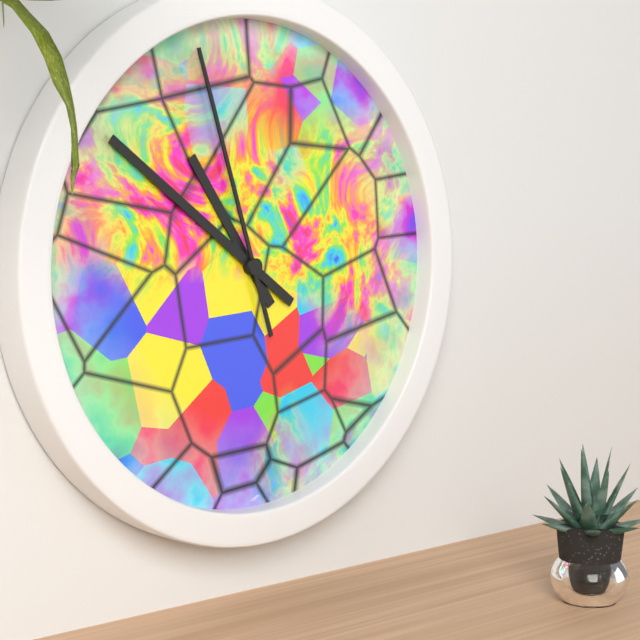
10:51:57
